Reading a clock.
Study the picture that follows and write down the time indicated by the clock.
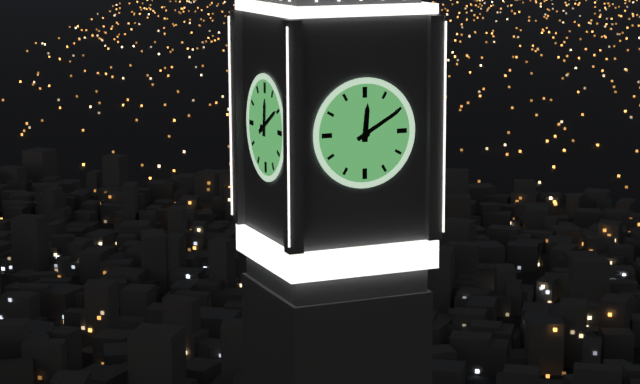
12:10
